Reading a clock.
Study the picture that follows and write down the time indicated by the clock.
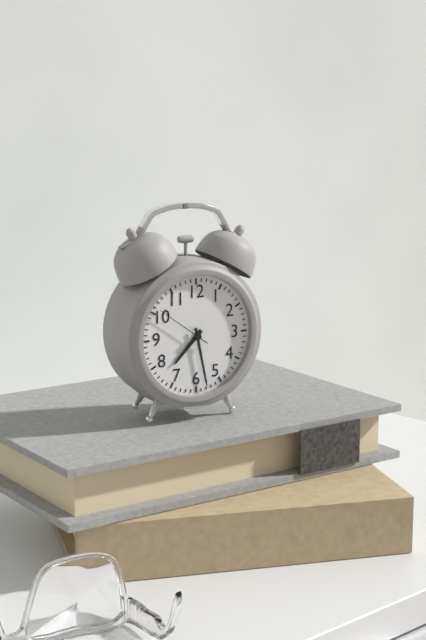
7:28:51
